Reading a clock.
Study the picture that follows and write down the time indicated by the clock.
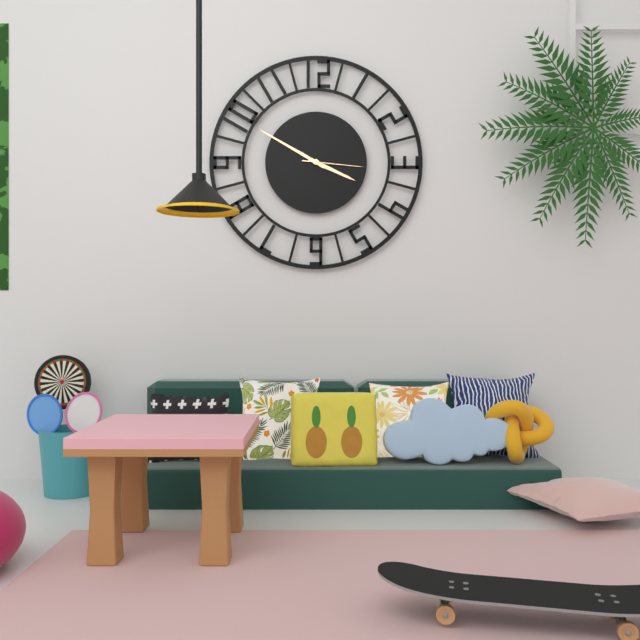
3:50:16
